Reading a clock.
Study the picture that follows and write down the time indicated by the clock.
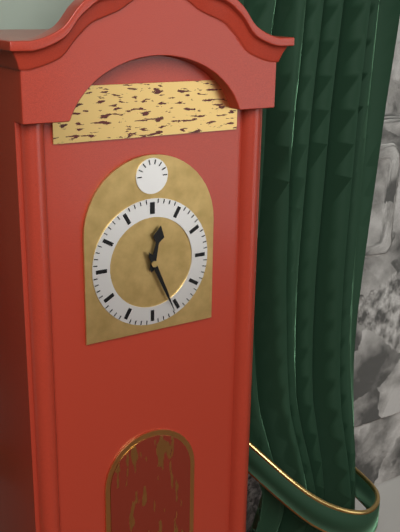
12:26
